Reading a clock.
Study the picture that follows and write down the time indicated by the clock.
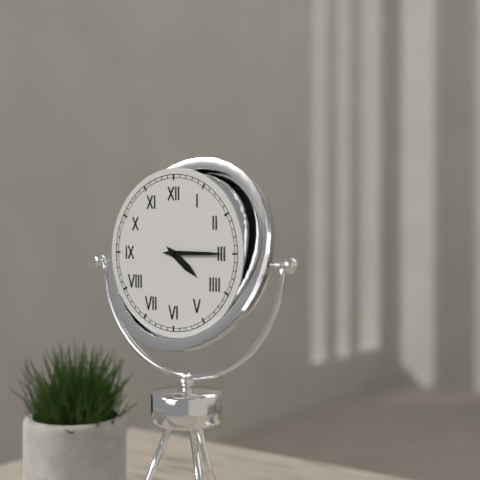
4:15
